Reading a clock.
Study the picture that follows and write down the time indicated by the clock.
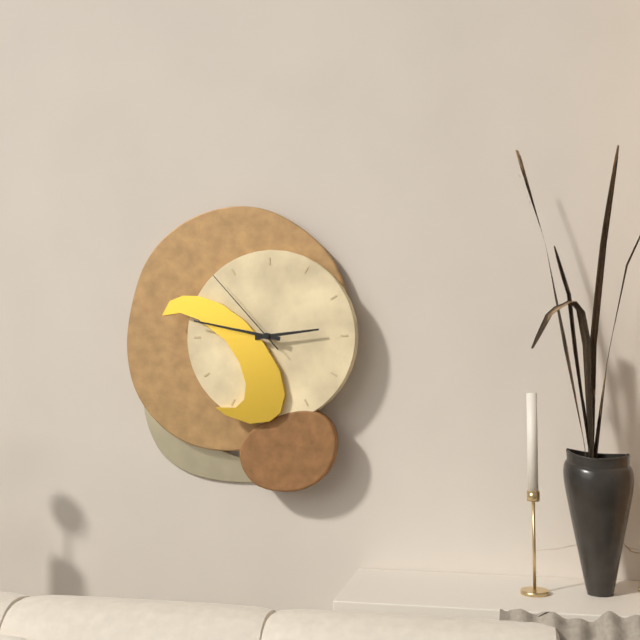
2:47:53
